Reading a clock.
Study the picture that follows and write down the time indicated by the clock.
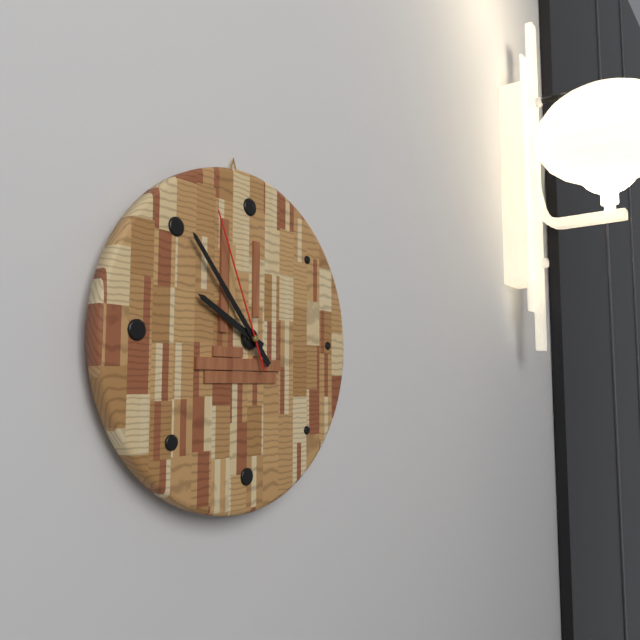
9:53:56
